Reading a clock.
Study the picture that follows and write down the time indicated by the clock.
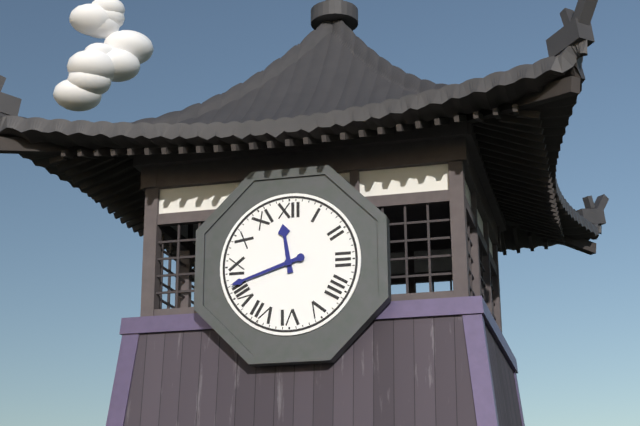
11:42
